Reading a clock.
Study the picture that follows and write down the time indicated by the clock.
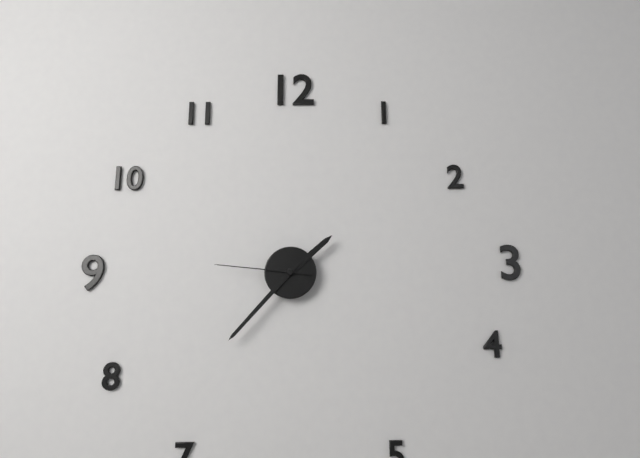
1:37:46
